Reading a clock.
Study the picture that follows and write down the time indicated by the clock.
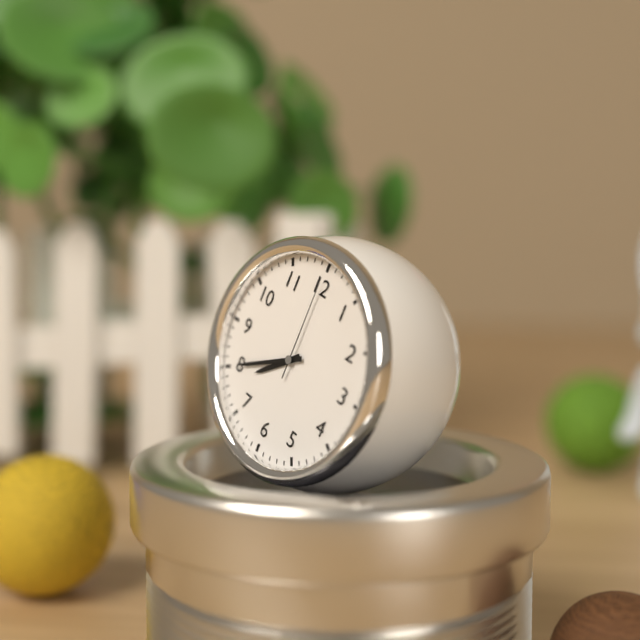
7:40:00
